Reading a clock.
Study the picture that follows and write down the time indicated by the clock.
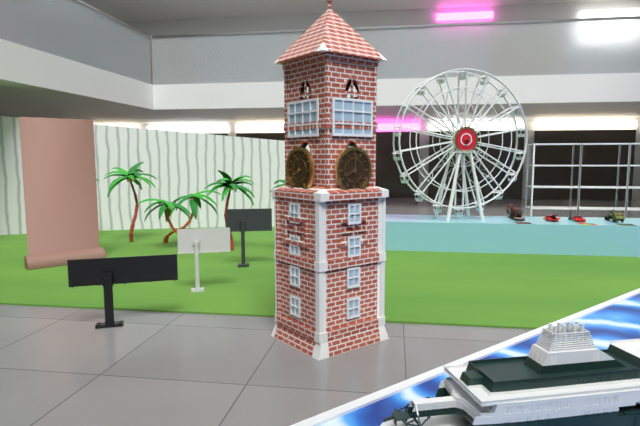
8:01
